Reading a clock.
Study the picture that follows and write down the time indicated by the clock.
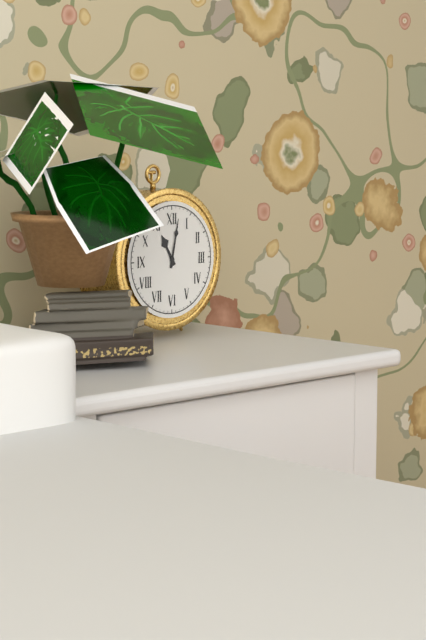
11:02
